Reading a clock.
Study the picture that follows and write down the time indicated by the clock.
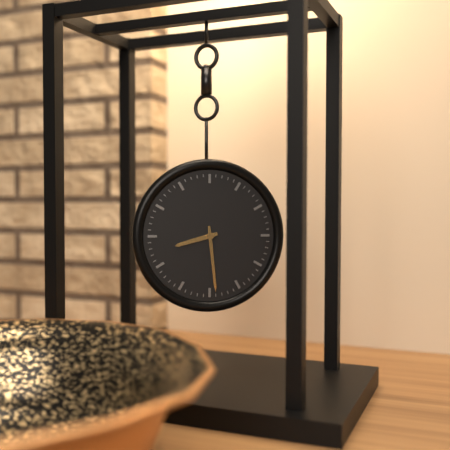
8:29
